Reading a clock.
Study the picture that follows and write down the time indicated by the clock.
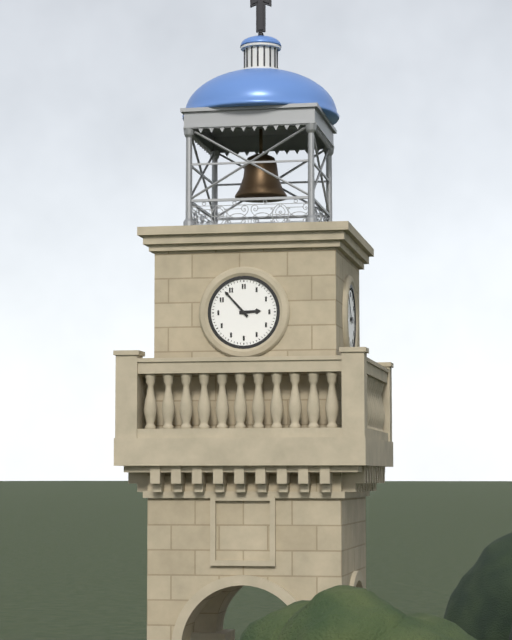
2:53
